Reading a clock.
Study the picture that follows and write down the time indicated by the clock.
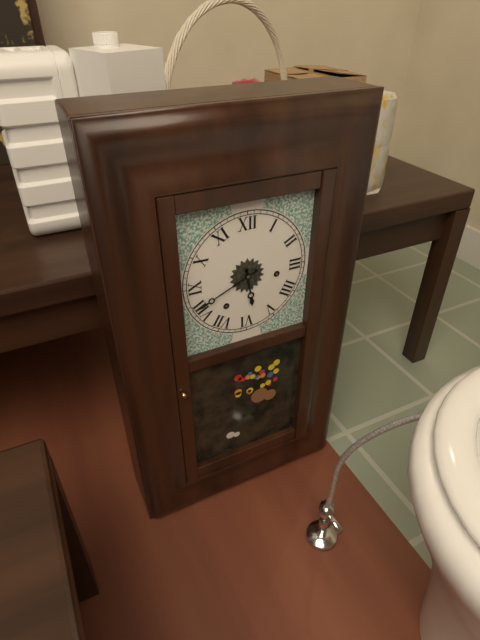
5:41
